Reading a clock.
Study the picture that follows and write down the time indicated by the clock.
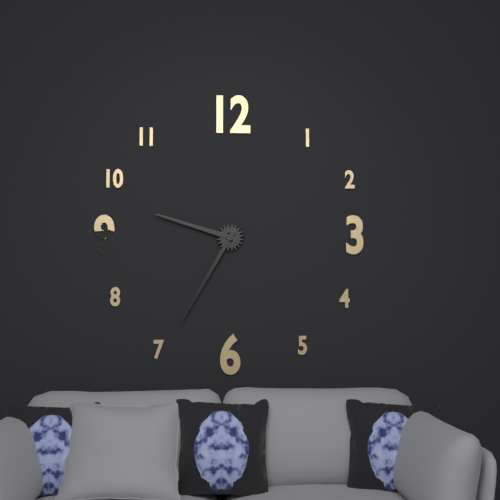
9:35
